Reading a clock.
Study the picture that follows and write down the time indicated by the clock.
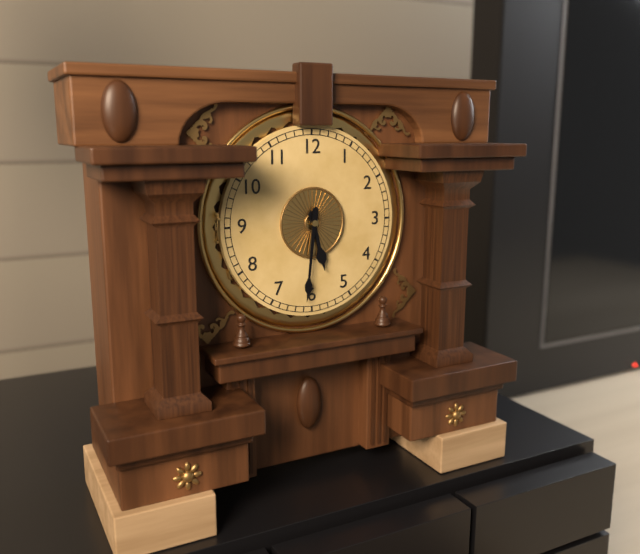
5:31
